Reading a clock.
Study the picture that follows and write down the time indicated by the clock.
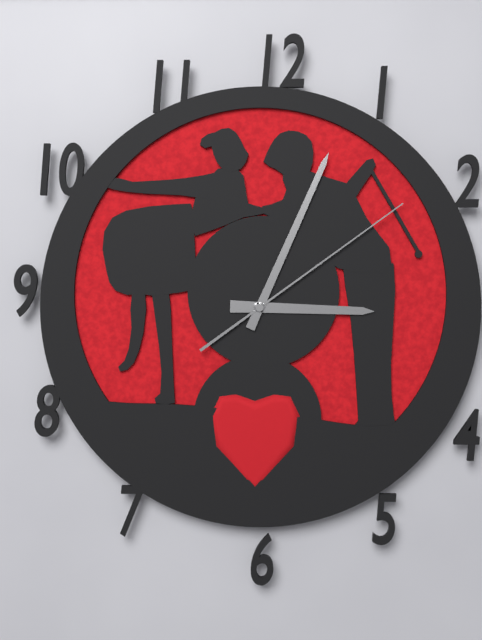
3:04:09
